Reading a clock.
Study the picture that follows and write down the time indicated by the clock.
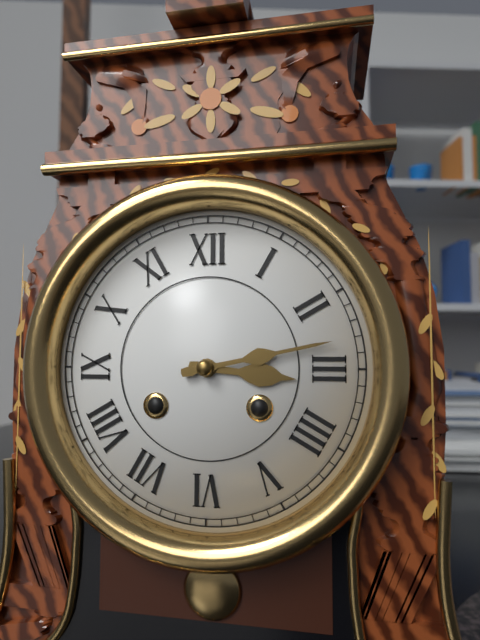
3:13
